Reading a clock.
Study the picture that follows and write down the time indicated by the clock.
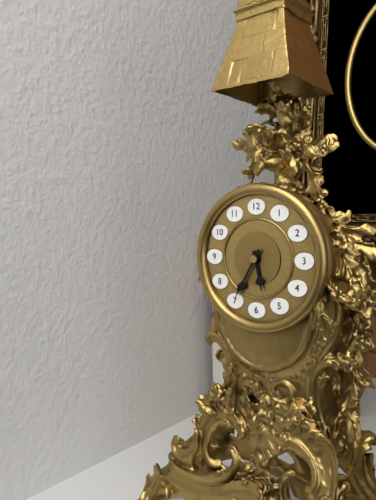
5:35
